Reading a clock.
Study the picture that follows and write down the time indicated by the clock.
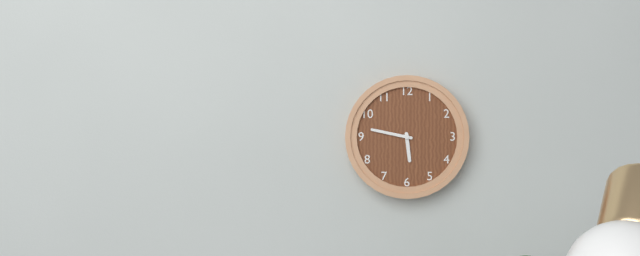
5:47
